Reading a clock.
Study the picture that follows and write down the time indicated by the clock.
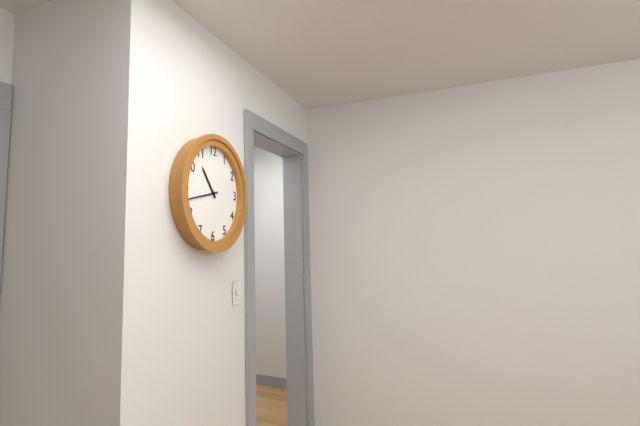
10:43
